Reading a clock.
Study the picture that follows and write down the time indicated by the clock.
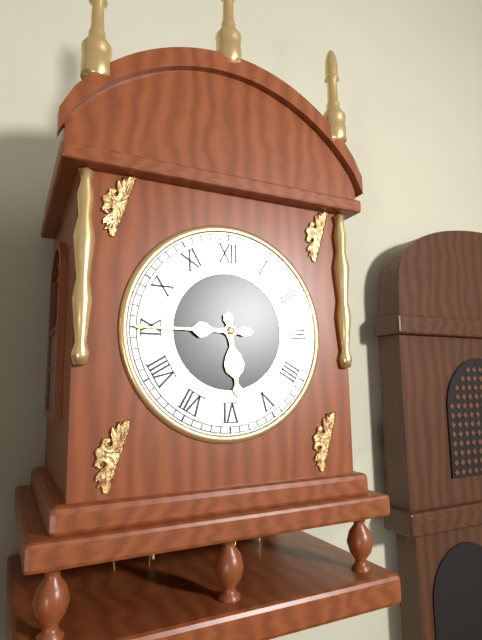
5:45
